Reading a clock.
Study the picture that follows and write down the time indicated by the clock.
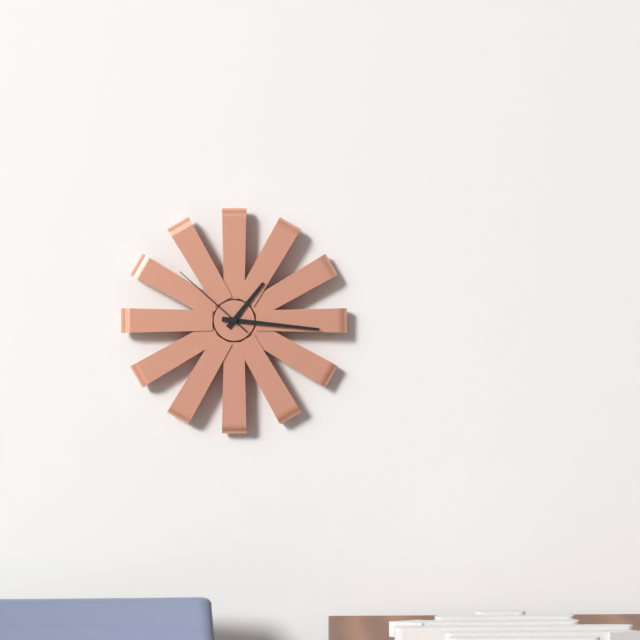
1:16:52
